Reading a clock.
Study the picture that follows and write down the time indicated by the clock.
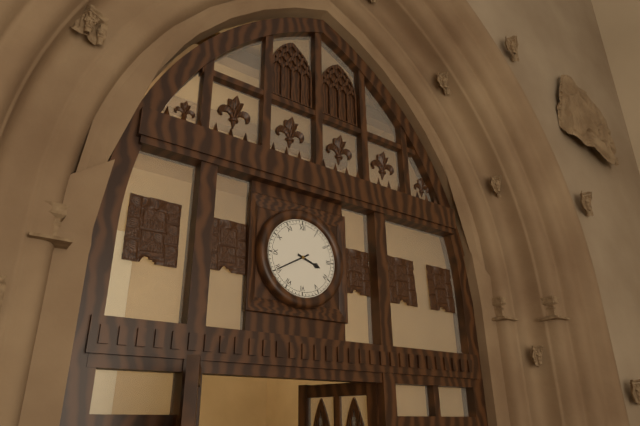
3:40
